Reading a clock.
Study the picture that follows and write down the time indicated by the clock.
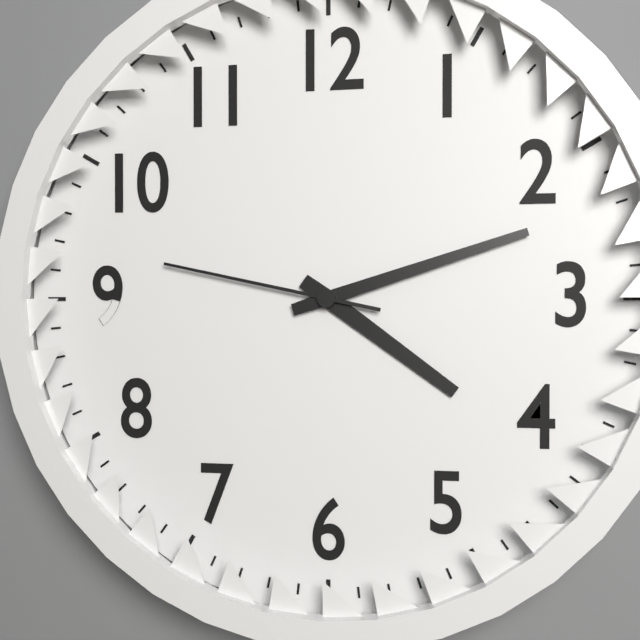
4:12:47
